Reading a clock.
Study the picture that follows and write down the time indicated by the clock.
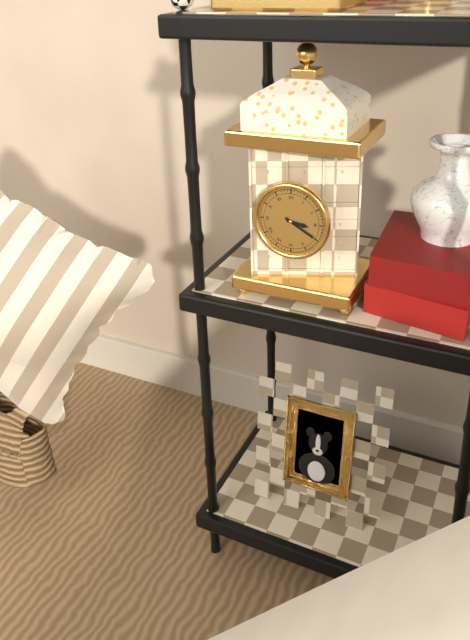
3:20
